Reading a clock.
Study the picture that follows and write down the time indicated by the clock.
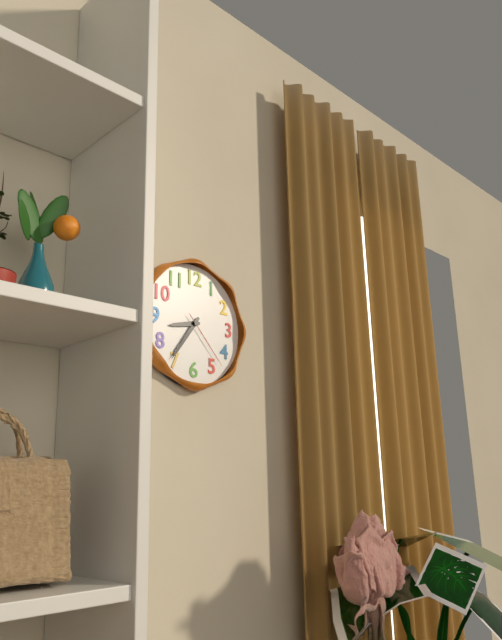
8:36:23
